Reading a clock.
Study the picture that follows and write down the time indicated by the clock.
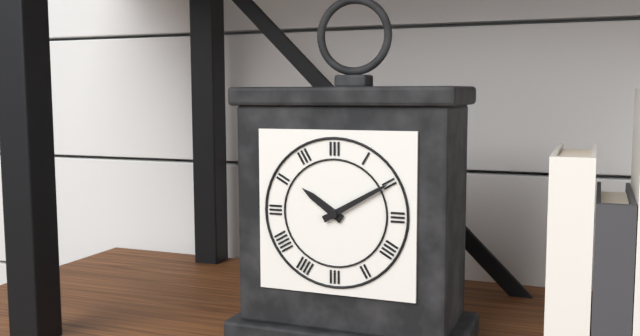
10:10
